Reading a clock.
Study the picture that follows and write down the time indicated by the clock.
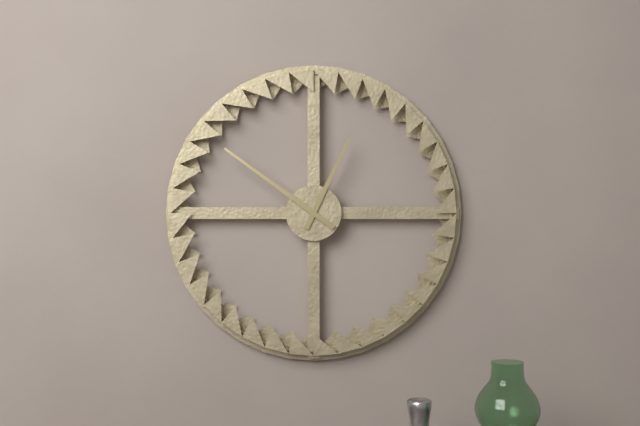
12:51
